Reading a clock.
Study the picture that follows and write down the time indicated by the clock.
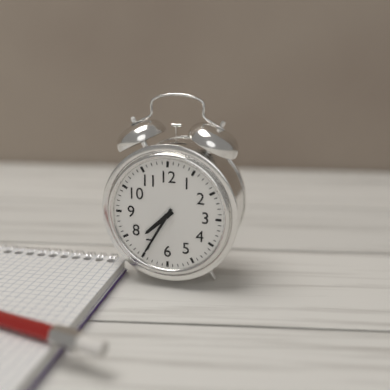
7:35
